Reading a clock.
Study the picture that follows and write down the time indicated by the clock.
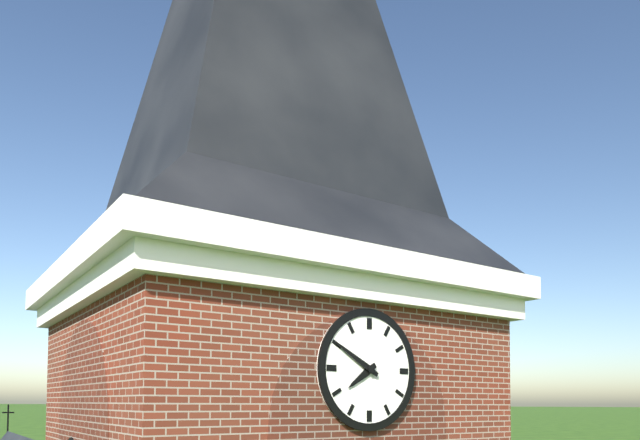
7:50
